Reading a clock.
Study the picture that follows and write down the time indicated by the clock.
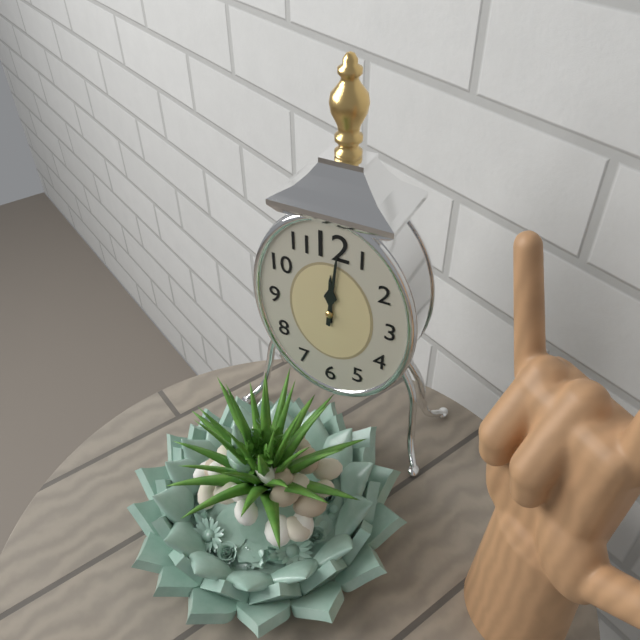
12:01
